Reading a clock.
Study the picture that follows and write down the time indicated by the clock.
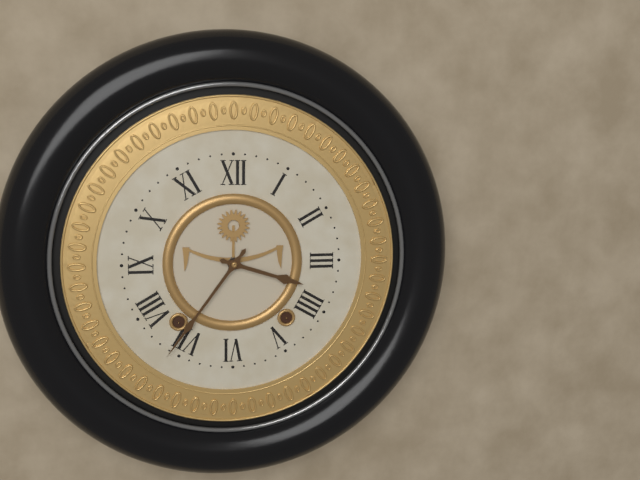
3:36
